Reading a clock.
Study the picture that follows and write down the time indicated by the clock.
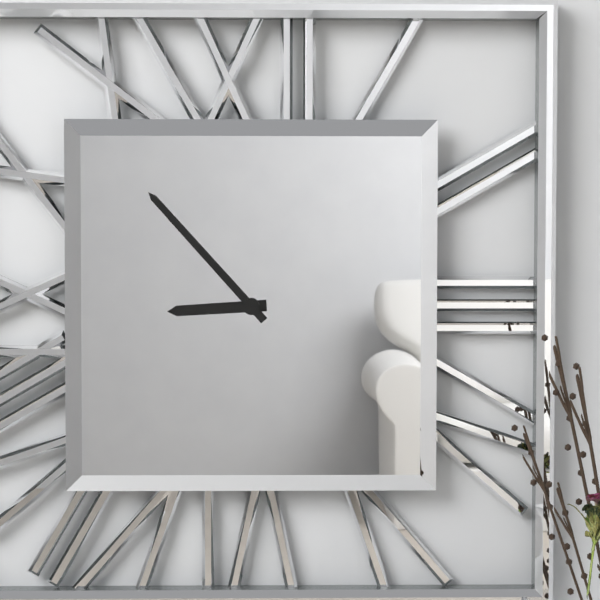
8:53
